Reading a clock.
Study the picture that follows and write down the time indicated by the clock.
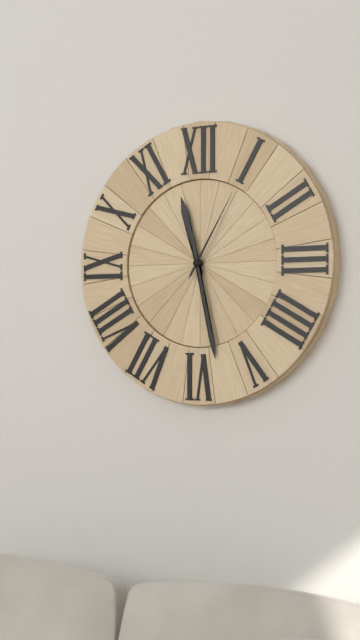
11:28:05
